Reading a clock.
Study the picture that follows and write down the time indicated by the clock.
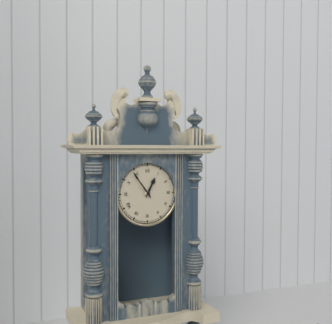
12:54
